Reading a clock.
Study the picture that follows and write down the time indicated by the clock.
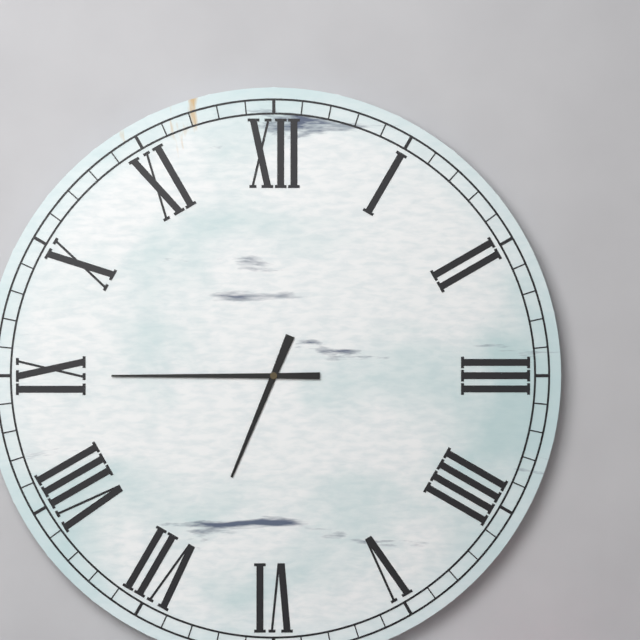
6:45
